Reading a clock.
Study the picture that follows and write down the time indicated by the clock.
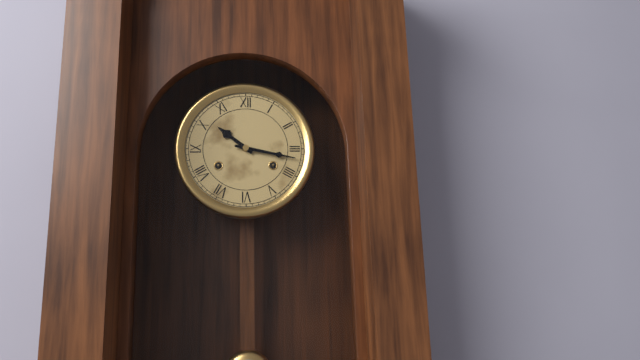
10:17
